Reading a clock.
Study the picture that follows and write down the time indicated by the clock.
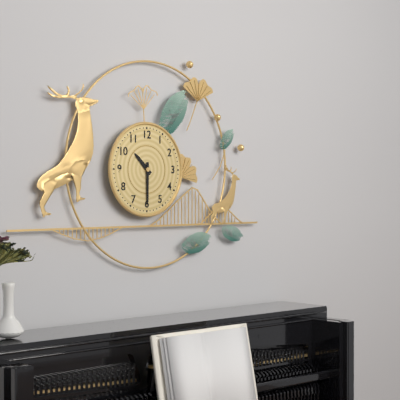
10:30
